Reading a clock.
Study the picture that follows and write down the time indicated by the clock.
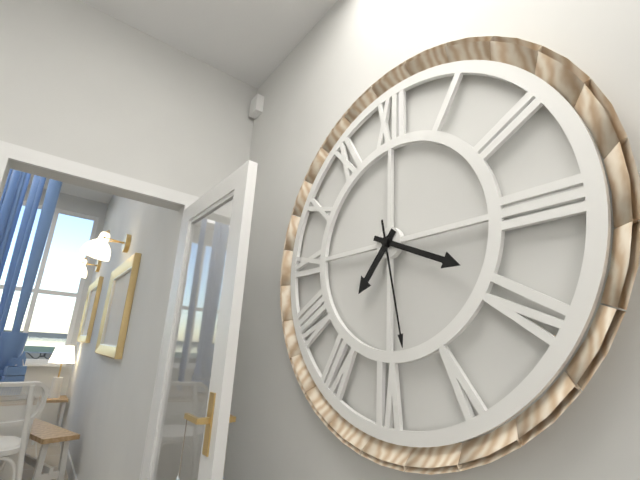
7:19:28
